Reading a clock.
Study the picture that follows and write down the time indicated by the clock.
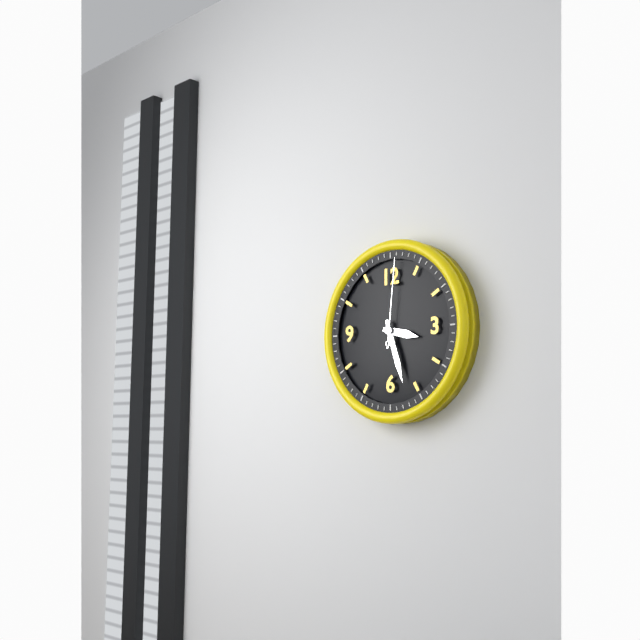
3:27:01
